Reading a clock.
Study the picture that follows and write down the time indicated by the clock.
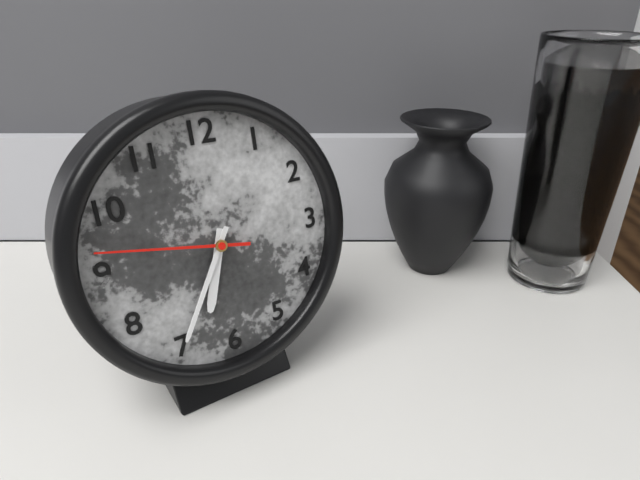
6:35:47
